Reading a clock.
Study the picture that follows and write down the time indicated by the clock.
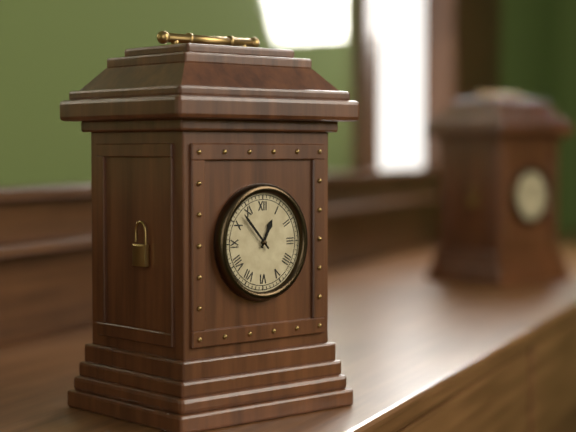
12:53
